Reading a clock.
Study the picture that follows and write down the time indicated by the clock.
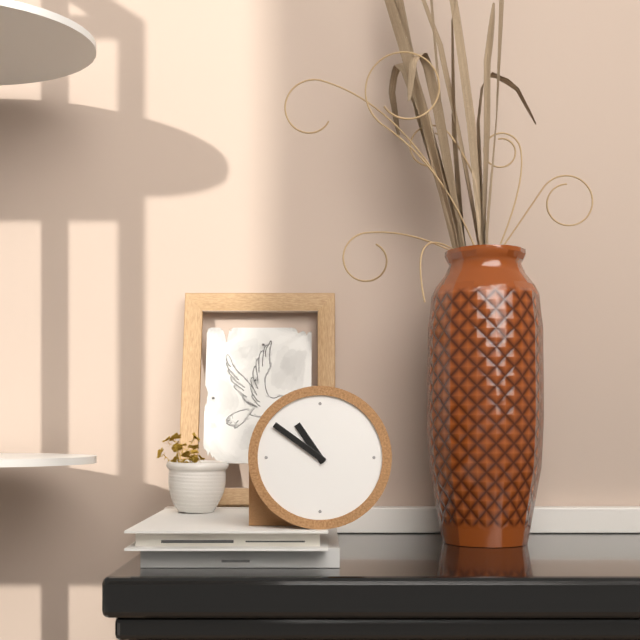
10:51
